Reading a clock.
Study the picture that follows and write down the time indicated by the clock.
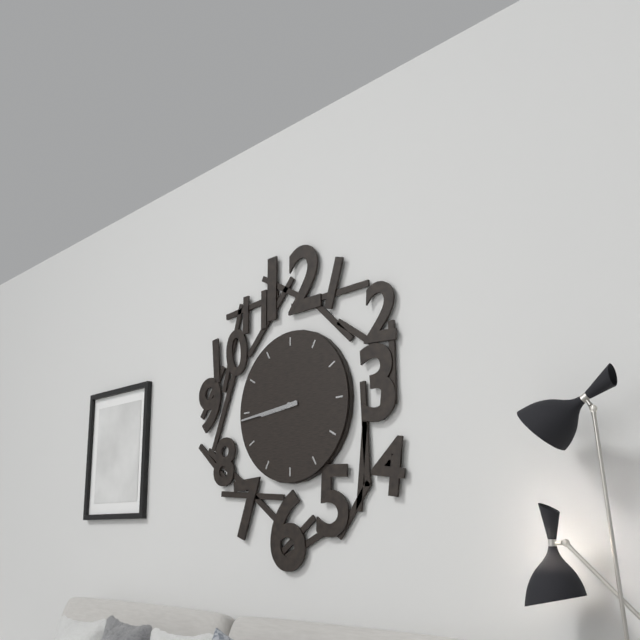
8:44
